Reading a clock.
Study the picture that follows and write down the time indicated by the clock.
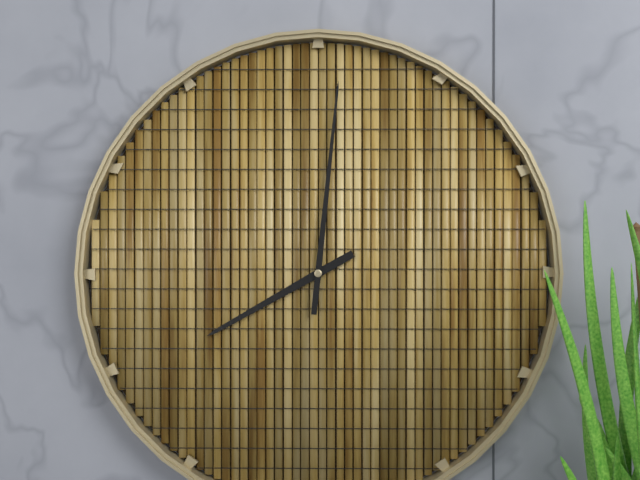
8:01
